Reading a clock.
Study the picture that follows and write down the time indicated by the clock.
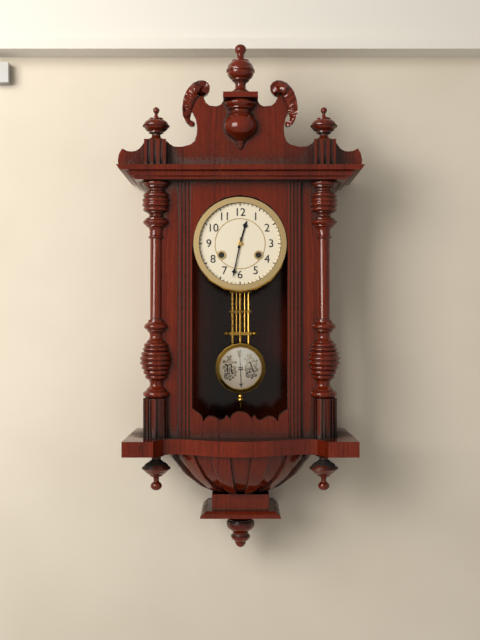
12:32
